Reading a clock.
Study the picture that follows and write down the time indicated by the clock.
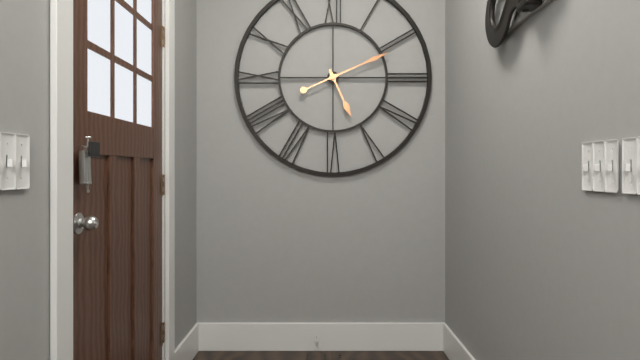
5:11
